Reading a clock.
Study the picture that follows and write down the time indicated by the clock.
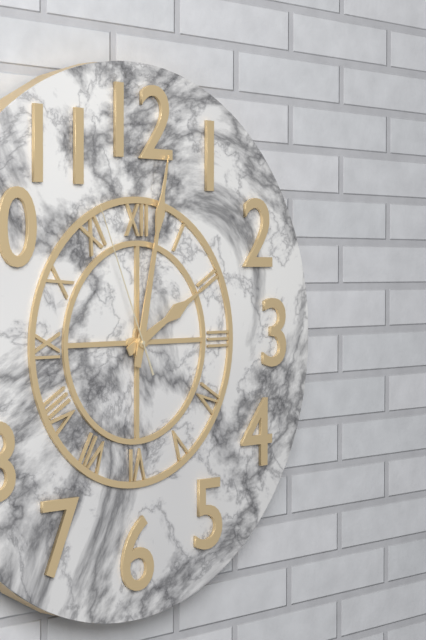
2:02:56
